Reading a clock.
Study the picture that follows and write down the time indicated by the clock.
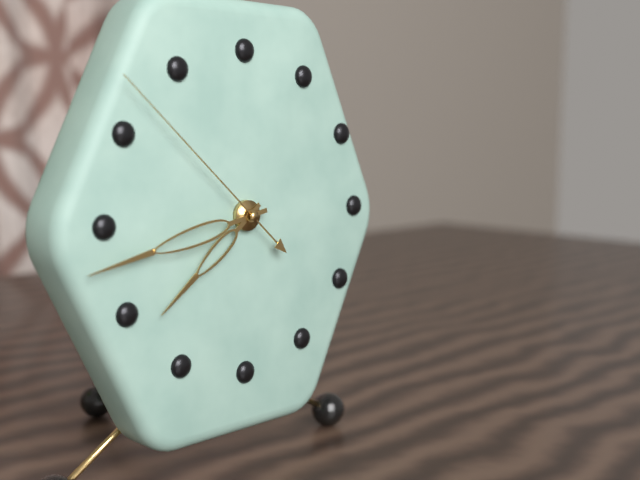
7:43:52
